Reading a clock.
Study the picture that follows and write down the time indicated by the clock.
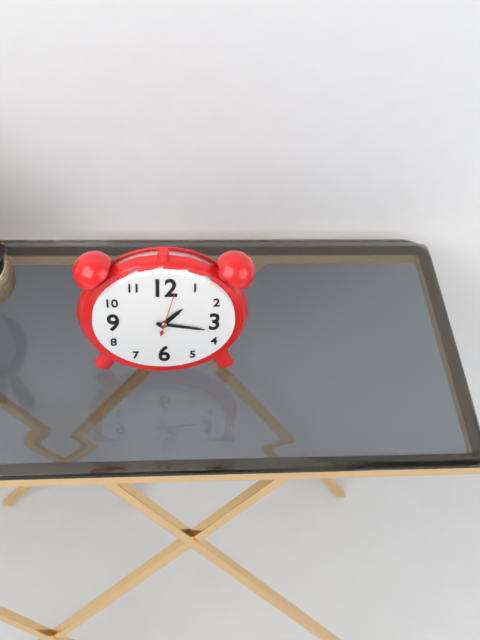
1:17
